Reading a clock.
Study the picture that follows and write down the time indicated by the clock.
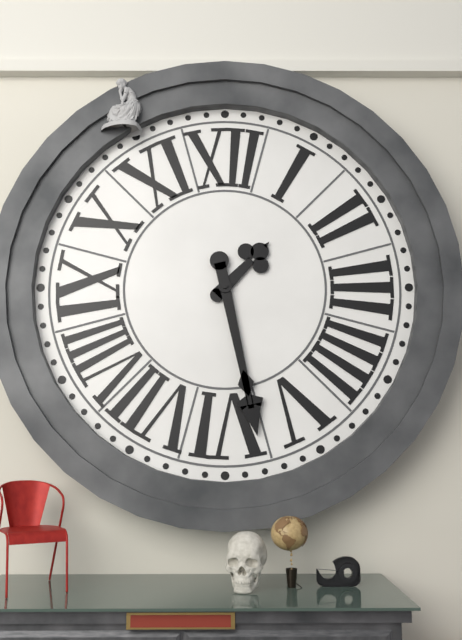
1:28
